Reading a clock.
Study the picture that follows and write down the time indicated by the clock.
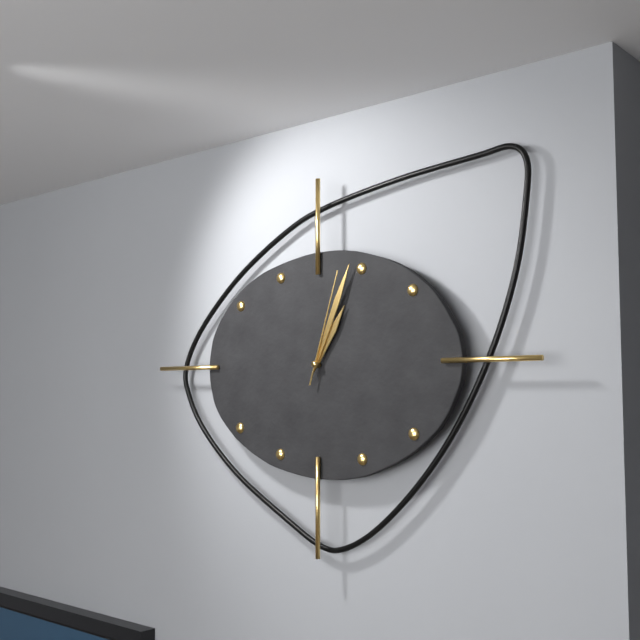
1:04:03
